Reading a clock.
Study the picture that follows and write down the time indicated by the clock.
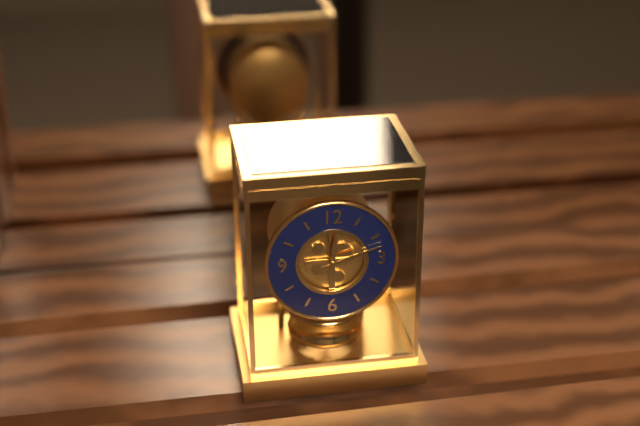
12:12
